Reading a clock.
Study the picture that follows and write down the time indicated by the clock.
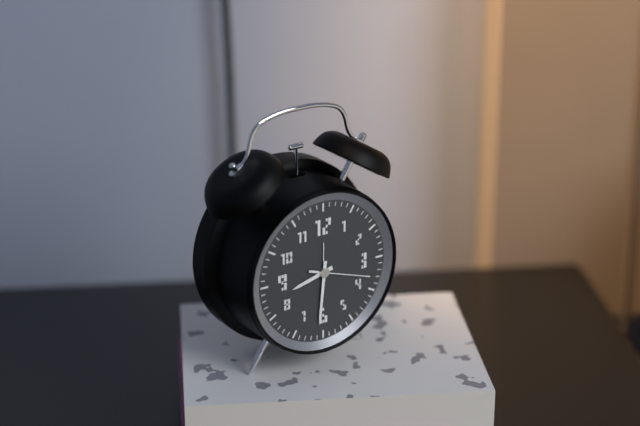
8:31:18
